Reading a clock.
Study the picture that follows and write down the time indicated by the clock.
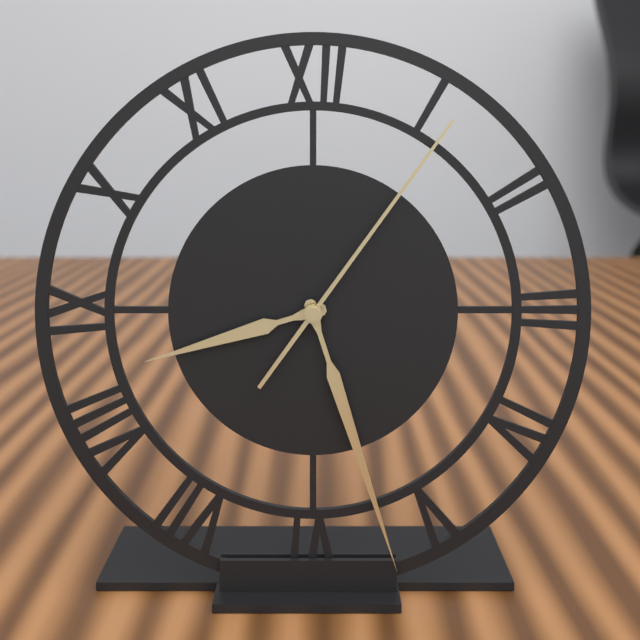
8:27:06
